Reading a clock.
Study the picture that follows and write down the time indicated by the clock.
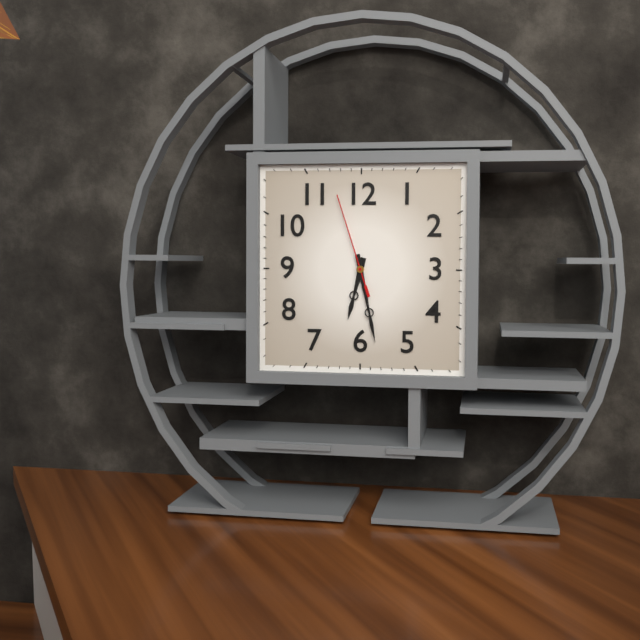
6:28:57
